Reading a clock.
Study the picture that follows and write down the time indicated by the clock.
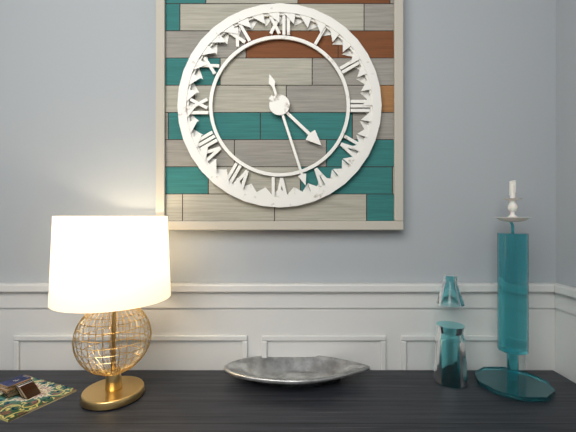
4:27
